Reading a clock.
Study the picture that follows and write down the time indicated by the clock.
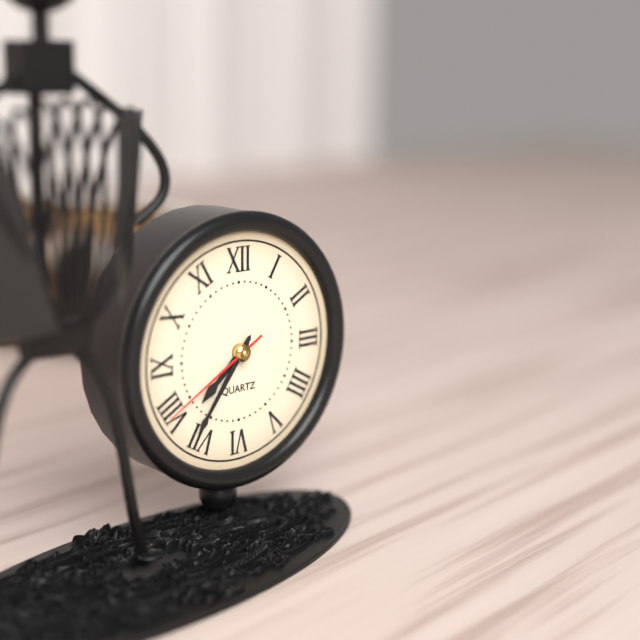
7:36:40
